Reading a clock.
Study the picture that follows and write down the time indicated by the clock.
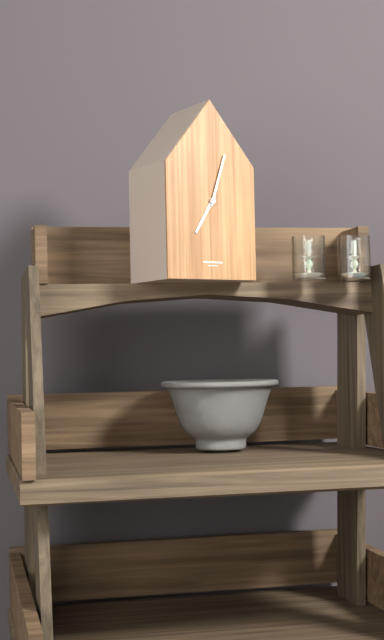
7:03
